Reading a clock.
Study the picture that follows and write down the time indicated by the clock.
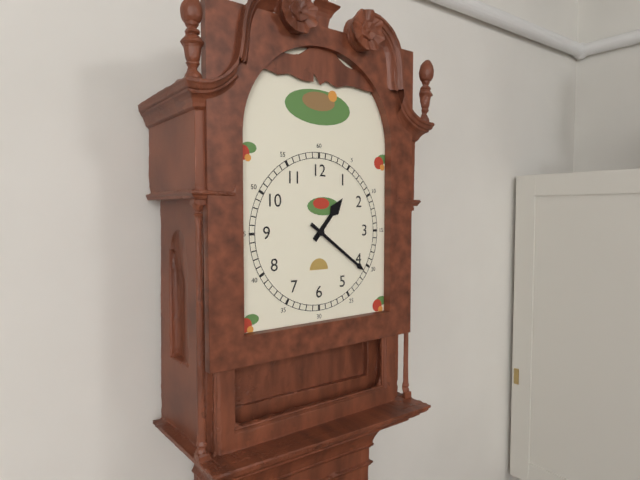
1:21
